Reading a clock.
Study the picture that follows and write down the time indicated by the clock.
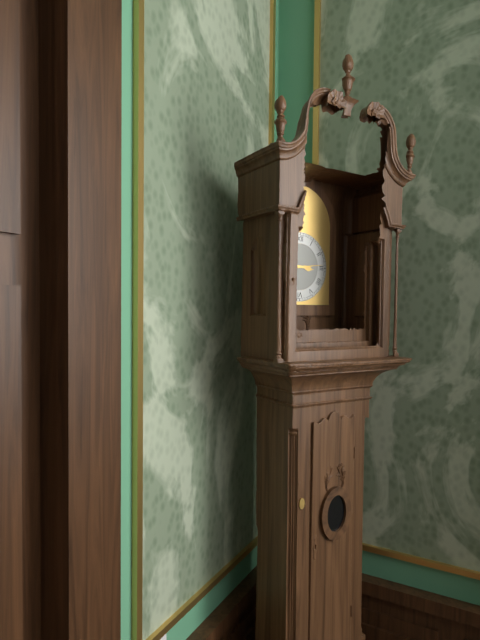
3:14
